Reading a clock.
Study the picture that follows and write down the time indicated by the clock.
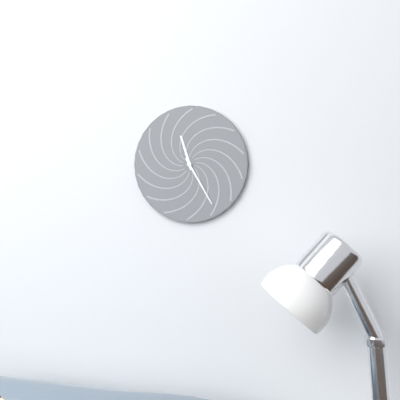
11:25
